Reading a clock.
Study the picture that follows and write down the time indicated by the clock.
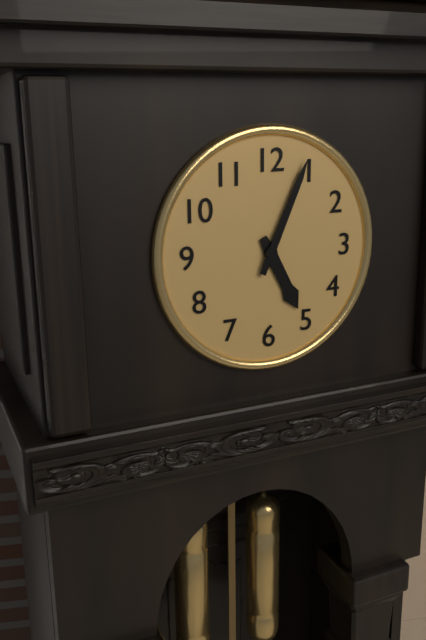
5:04
